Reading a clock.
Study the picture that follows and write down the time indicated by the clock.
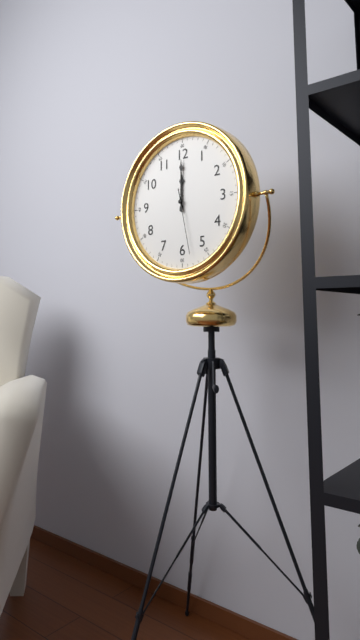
12:00:28
